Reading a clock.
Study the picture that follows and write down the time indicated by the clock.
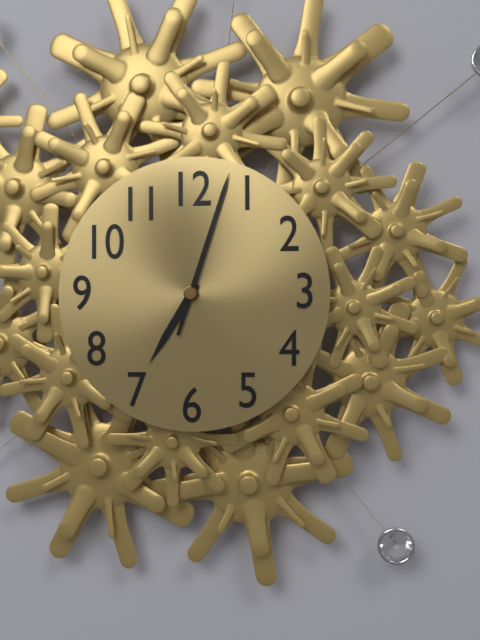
7:03
